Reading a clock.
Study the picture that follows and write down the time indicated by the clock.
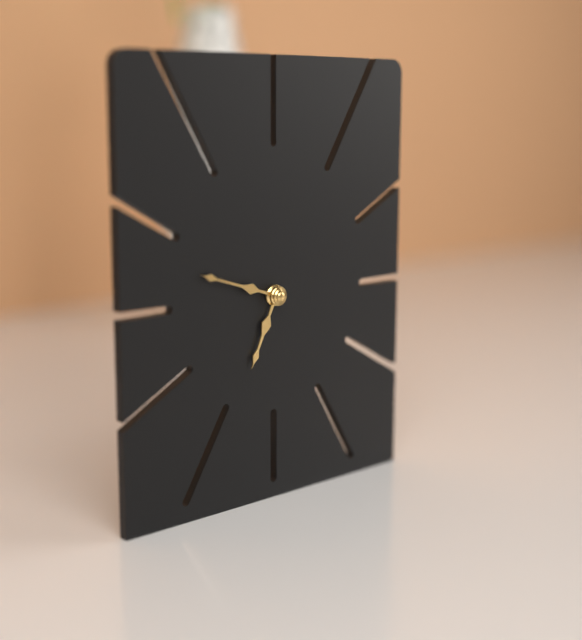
6:48
